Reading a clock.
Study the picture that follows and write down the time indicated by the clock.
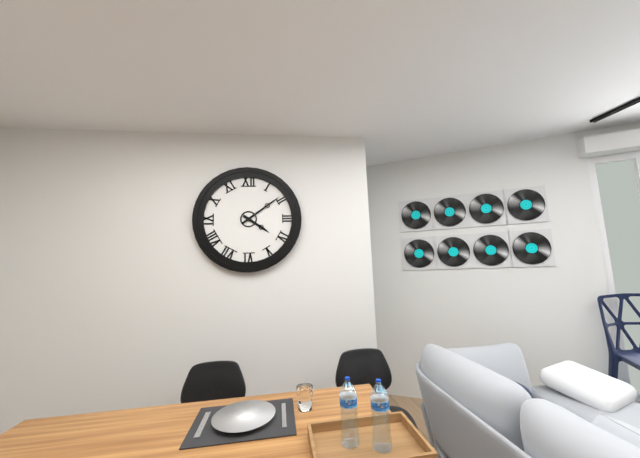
4:09
